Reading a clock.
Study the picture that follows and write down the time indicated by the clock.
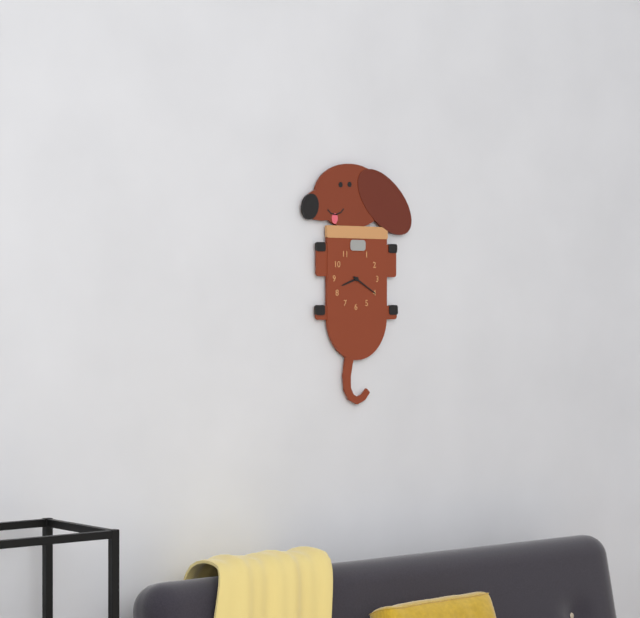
8:20
